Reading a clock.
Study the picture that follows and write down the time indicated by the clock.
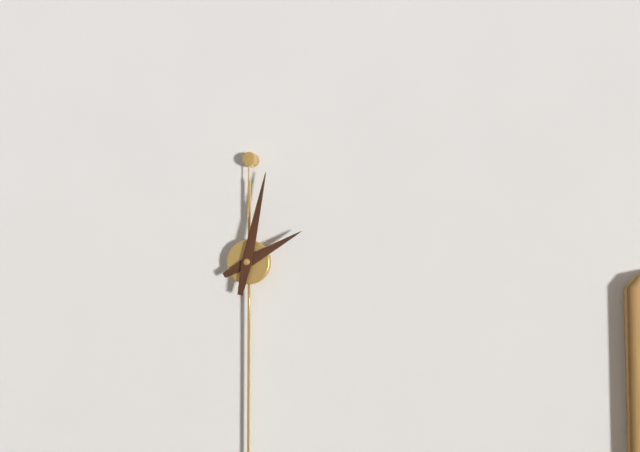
2:02
